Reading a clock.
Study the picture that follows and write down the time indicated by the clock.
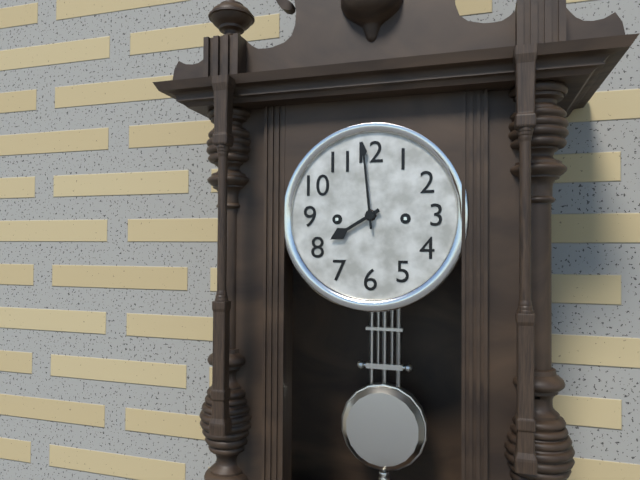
7:59
